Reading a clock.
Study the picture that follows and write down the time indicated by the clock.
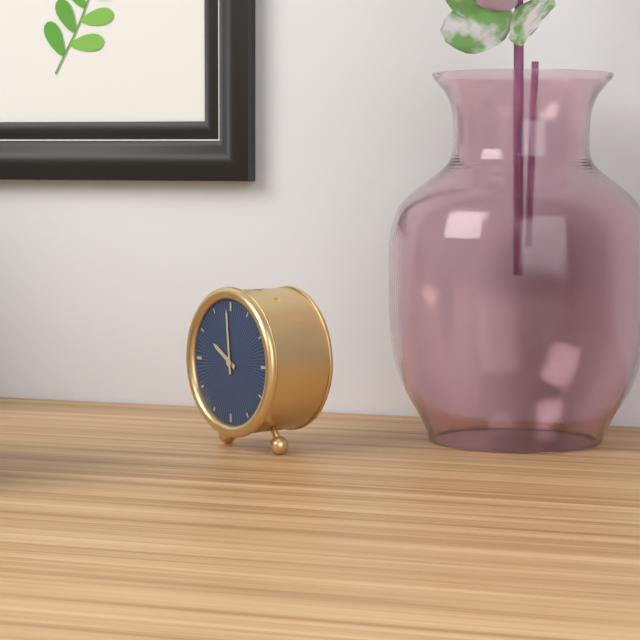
9:59
